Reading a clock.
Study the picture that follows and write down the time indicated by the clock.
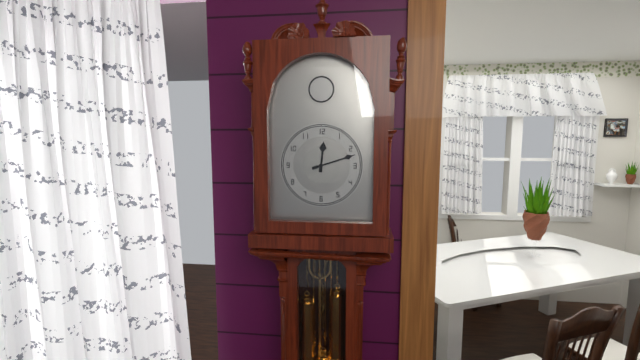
12:12
